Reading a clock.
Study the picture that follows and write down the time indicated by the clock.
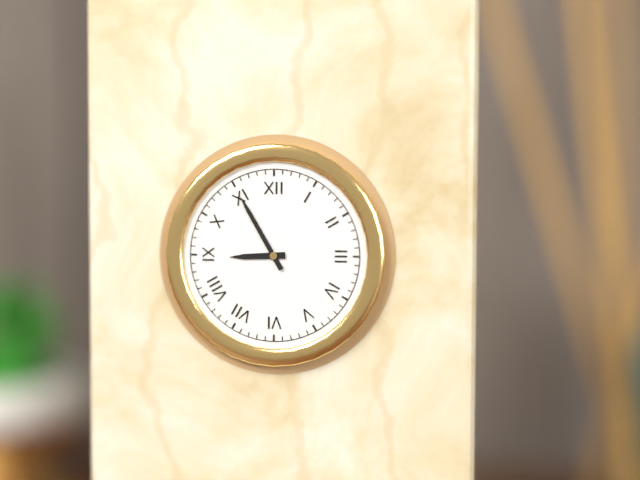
8:55
